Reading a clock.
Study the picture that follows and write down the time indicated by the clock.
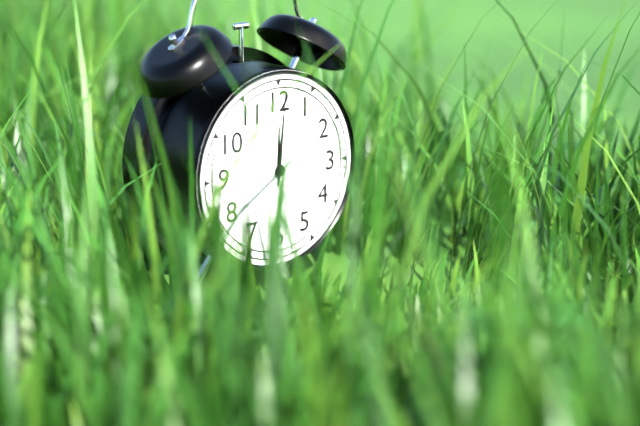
12:01
